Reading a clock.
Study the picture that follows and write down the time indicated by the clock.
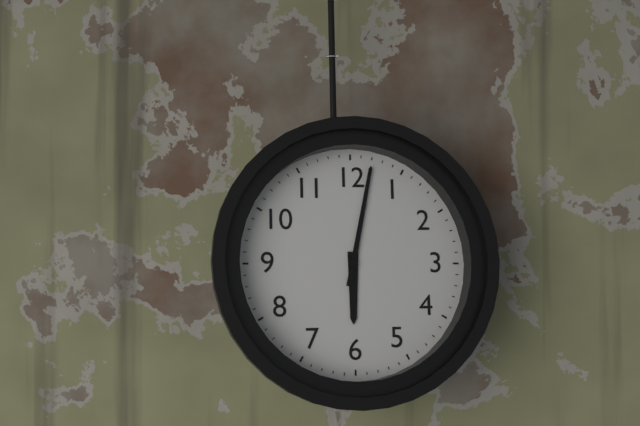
6:02
